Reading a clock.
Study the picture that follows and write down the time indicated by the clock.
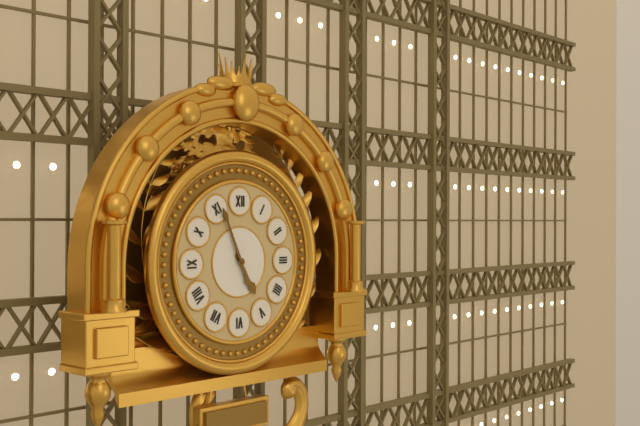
4:56
